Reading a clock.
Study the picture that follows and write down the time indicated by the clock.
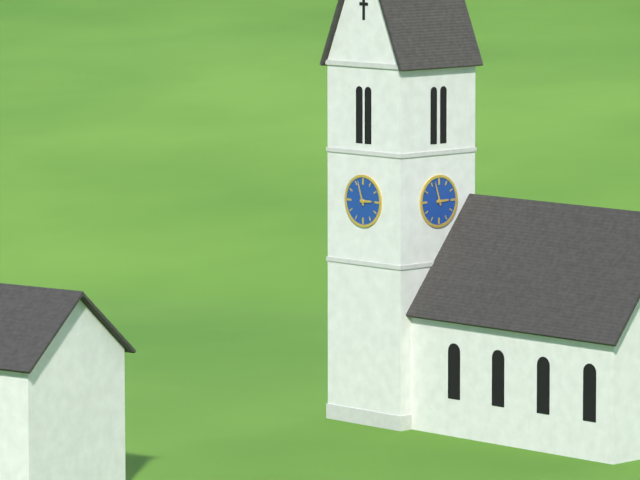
2:57
